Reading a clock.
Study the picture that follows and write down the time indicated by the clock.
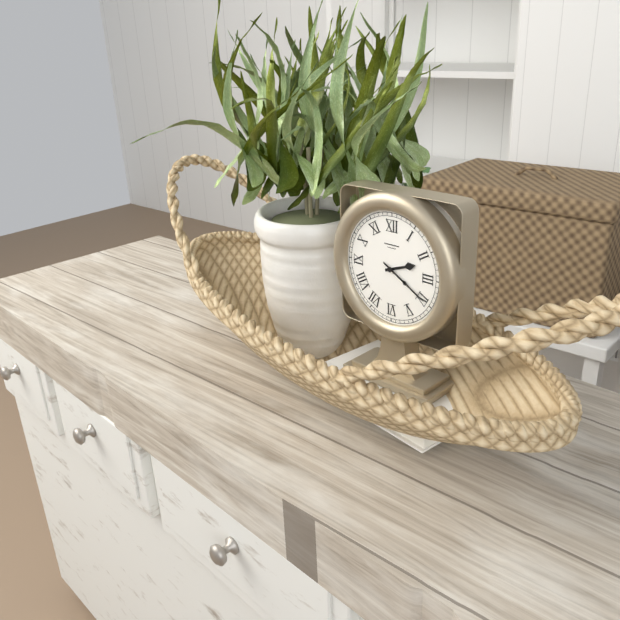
2:20
